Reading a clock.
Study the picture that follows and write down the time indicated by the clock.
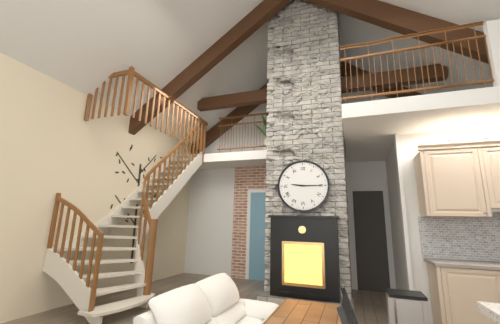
9:15
